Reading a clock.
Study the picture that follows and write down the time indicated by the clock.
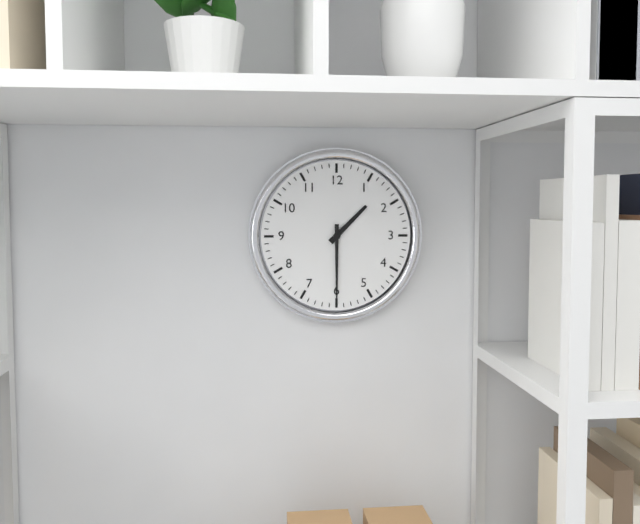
1:30
